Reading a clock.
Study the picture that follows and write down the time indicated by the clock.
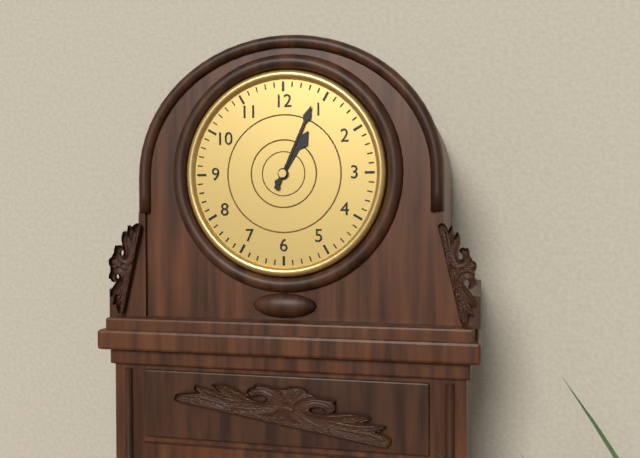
1:04
